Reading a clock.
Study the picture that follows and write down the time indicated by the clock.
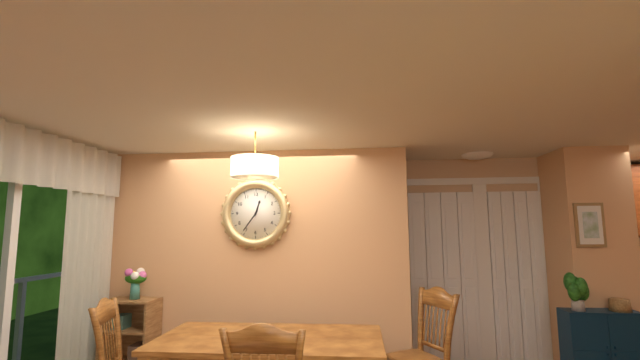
12:36
